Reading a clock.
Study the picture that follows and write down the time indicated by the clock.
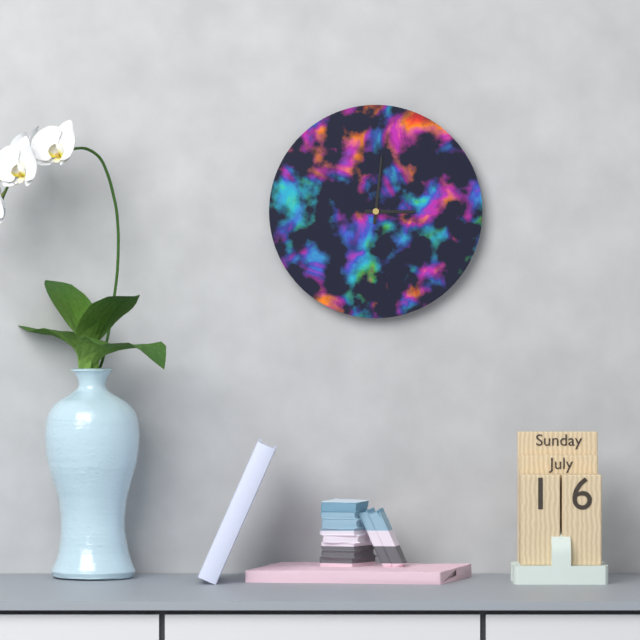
3:01
